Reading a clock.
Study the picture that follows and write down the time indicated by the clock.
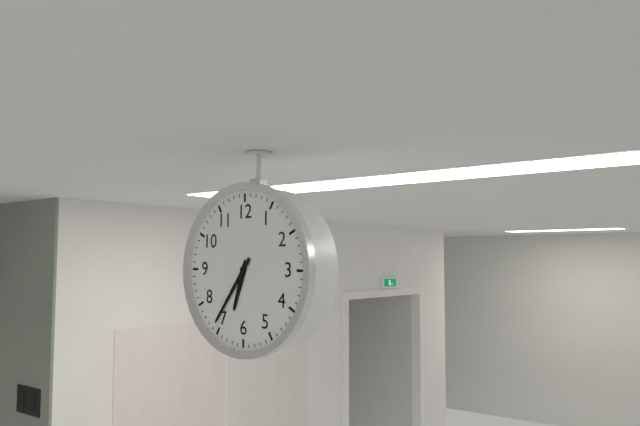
6:36
